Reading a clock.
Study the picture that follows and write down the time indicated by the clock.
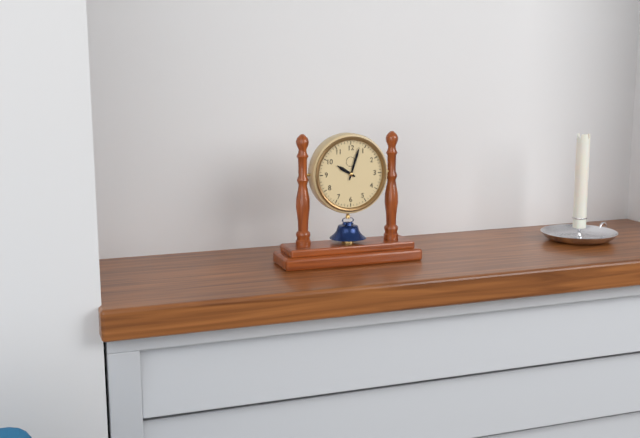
10:03
